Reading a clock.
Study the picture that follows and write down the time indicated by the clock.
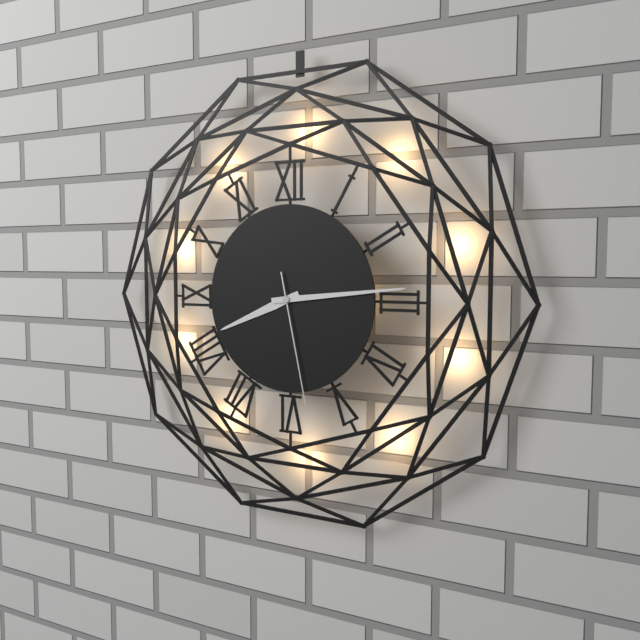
8:14:28
